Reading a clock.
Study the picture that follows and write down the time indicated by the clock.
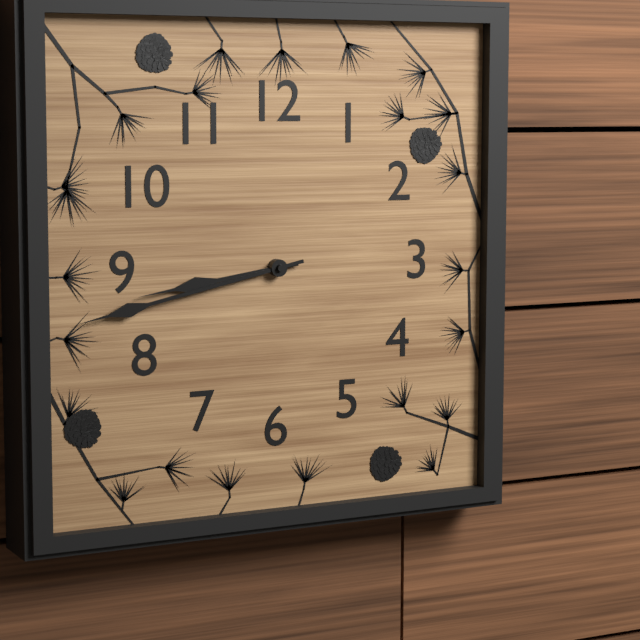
8:43
